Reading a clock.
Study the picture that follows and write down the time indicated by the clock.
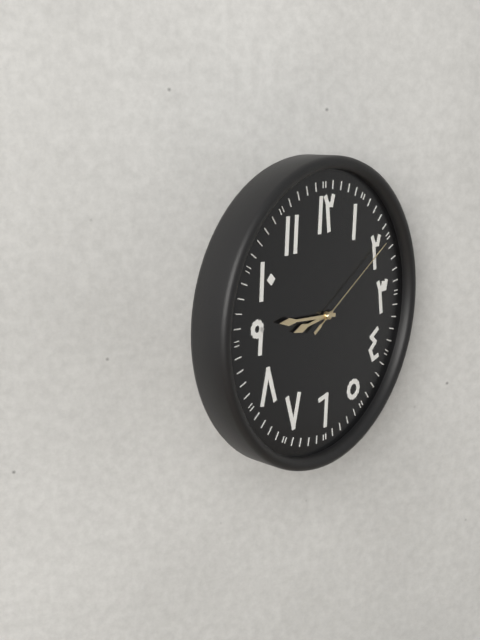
8:46:10
